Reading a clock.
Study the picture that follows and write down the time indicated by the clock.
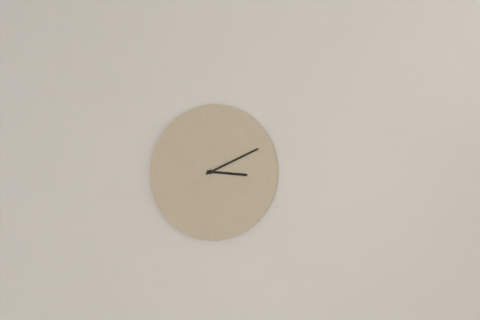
3:11
